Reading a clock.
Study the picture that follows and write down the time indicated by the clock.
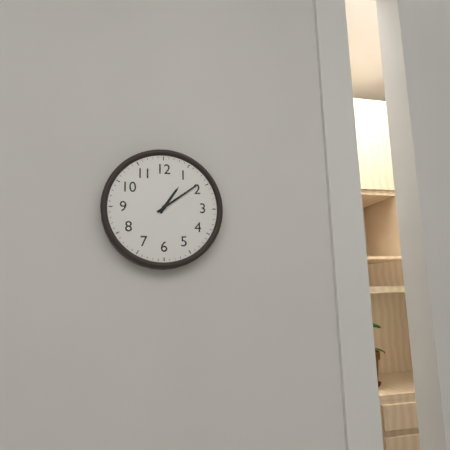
1:09
